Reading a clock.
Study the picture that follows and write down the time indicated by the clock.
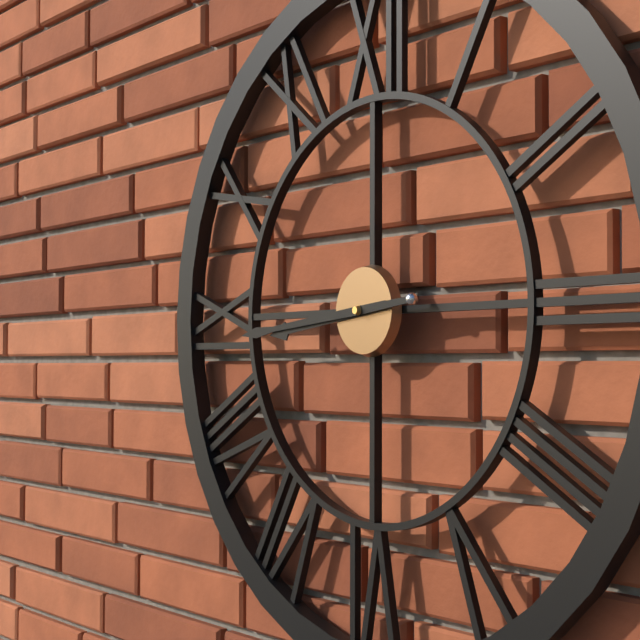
8:44
